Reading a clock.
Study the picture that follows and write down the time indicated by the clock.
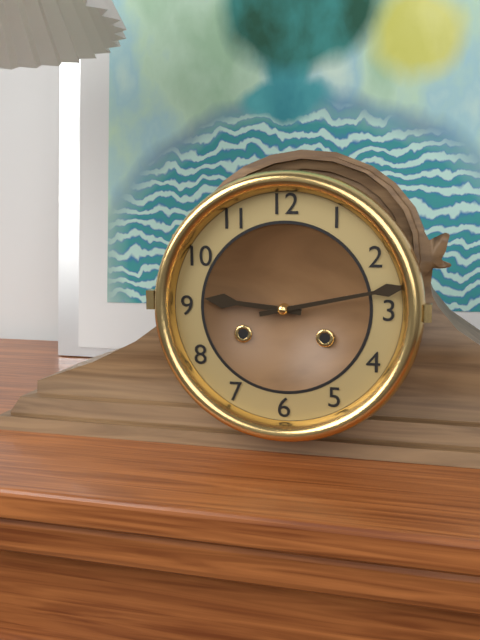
9:13
